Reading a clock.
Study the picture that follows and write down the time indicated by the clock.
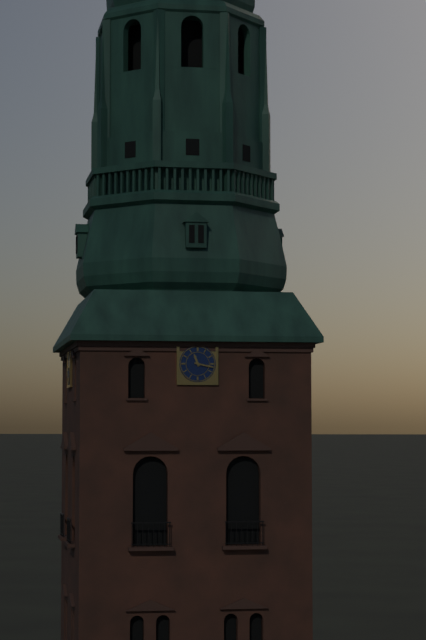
11:17
